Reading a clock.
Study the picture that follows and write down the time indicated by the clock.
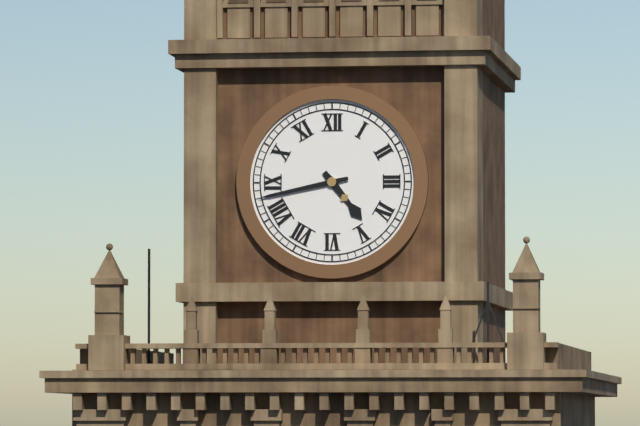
4:43
